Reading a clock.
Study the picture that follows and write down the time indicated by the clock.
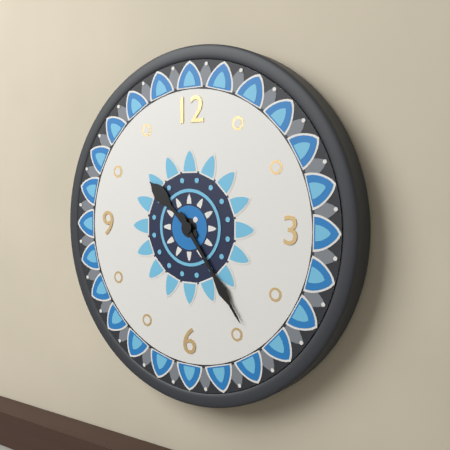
10:24
